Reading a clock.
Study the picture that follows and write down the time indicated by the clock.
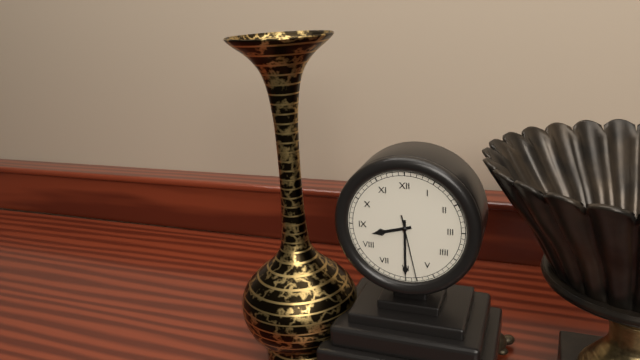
8:30:28
